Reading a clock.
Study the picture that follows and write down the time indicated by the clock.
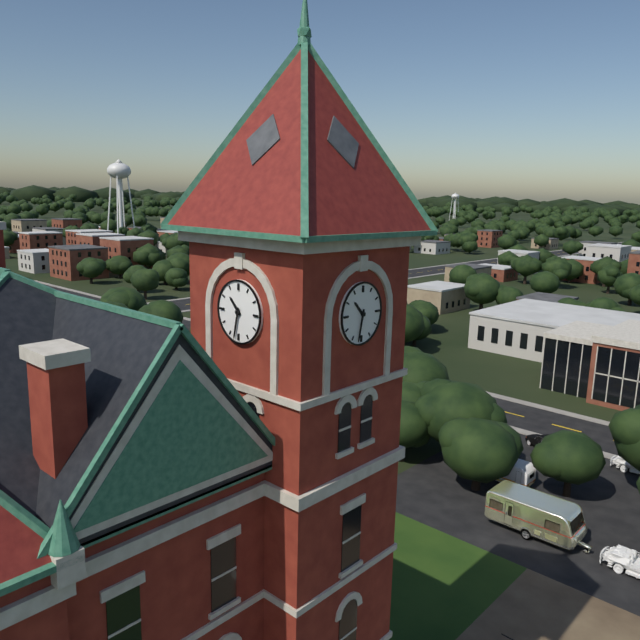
10:32
